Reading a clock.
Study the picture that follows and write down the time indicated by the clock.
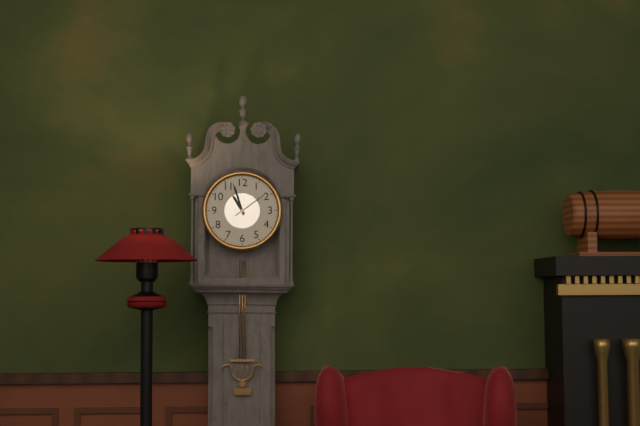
10:57
